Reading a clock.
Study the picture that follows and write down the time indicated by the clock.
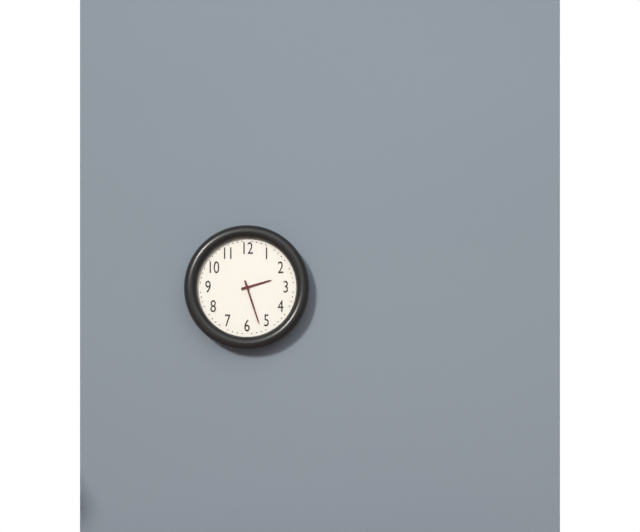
2:27
